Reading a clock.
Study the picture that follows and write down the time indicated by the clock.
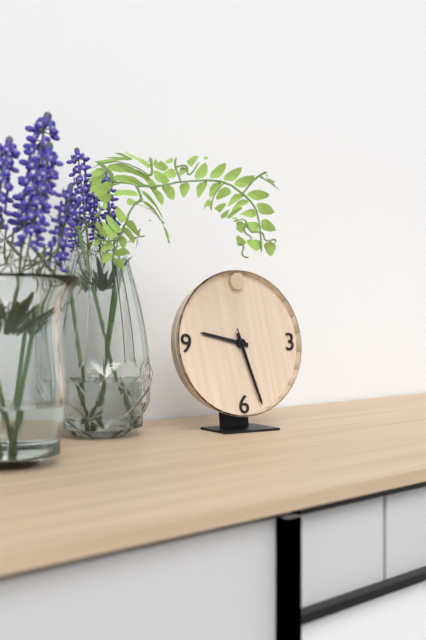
9:27:27
